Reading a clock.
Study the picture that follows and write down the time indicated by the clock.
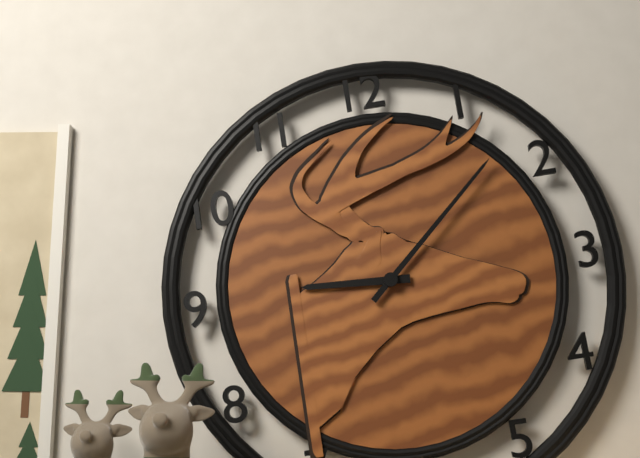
9:08
